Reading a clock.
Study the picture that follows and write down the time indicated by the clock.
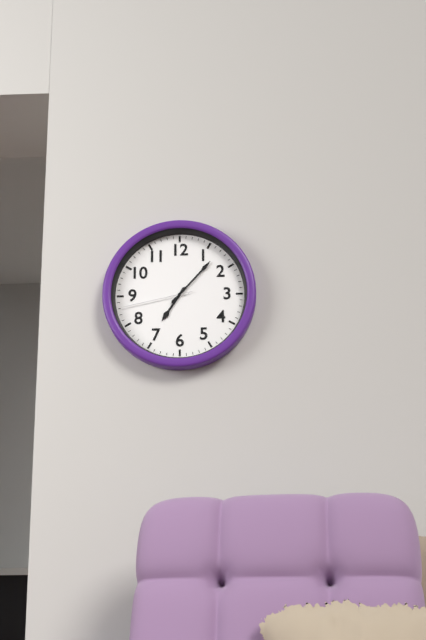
7:07:43
